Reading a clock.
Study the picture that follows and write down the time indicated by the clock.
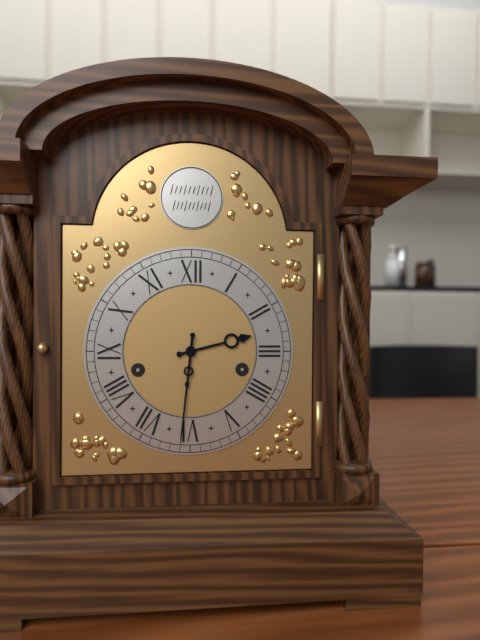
2:31
